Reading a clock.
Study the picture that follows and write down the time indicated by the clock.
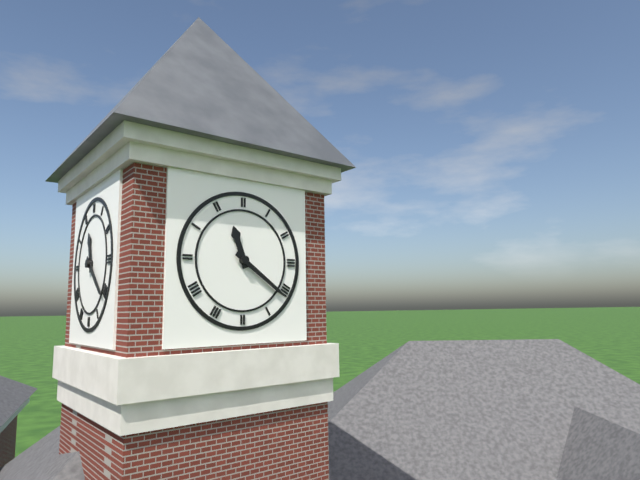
11:21
